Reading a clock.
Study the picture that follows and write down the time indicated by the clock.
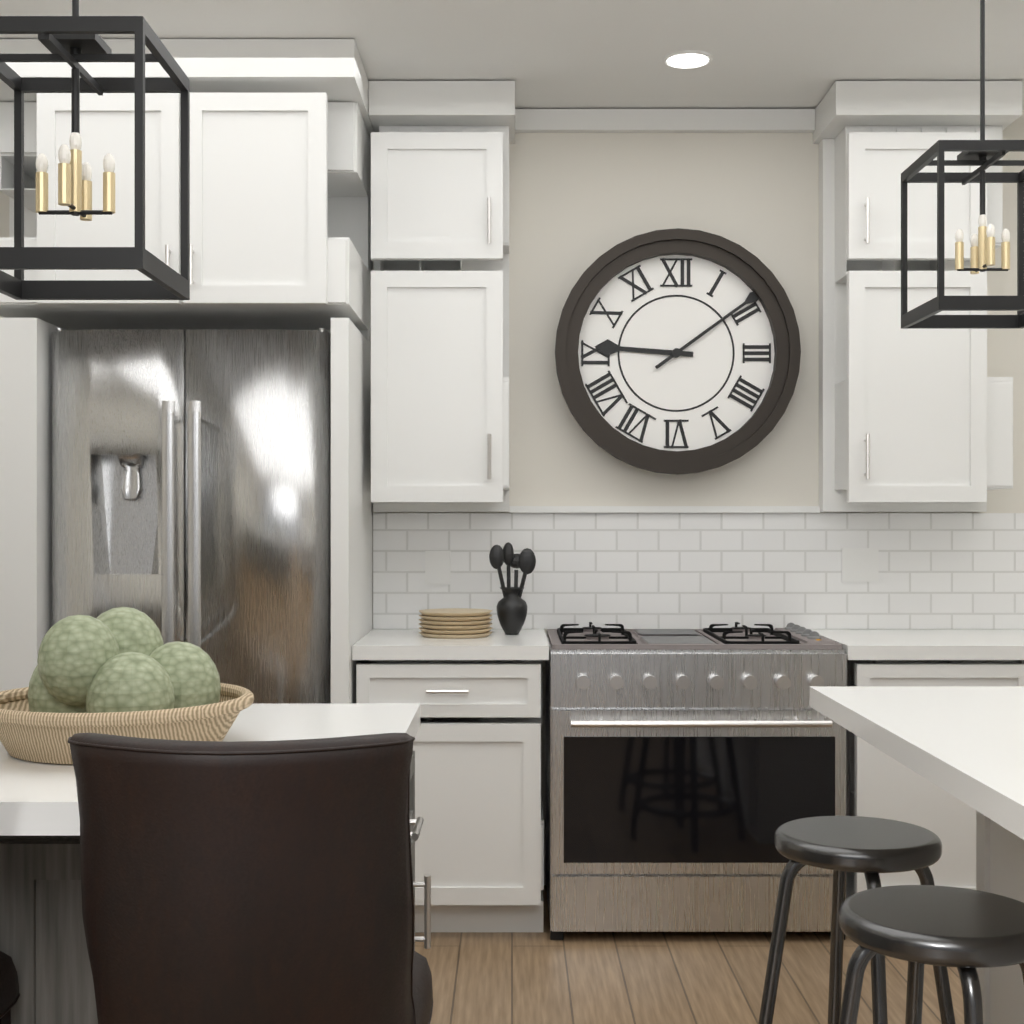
9:09
